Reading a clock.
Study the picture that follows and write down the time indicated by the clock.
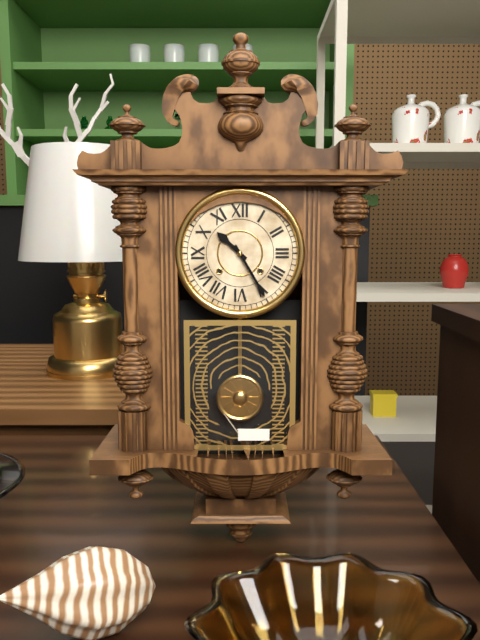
10:25
